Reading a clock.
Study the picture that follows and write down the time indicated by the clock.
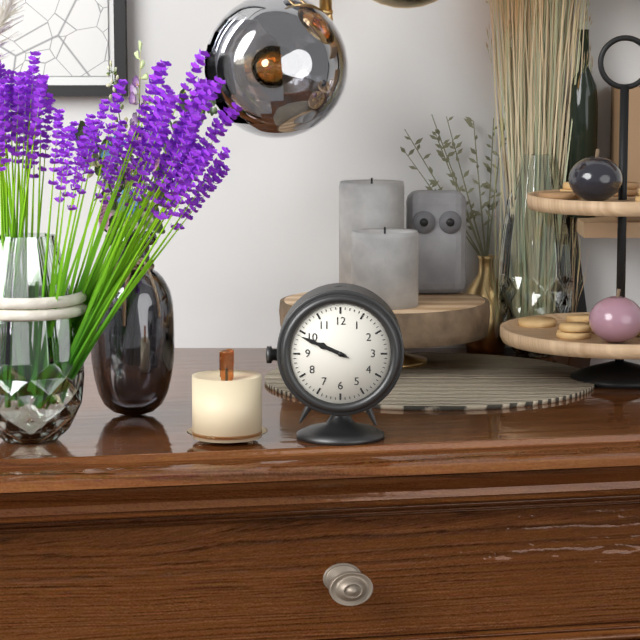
9:49
